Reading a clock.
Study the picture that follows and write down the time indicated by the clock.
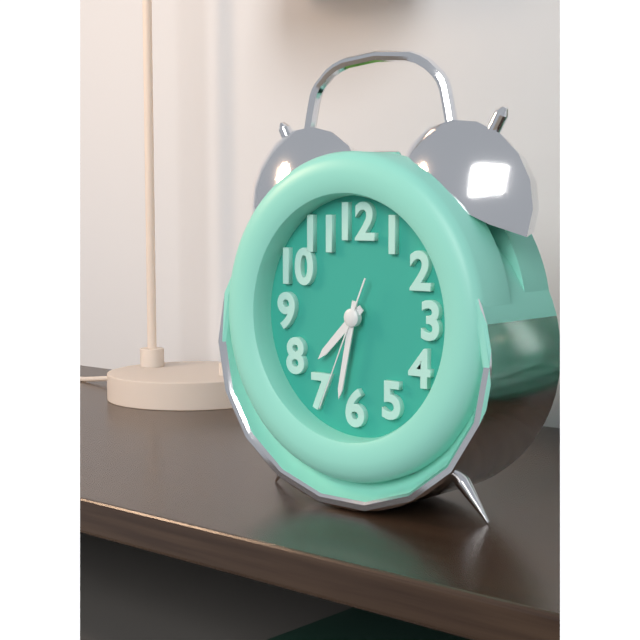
7:32:34
